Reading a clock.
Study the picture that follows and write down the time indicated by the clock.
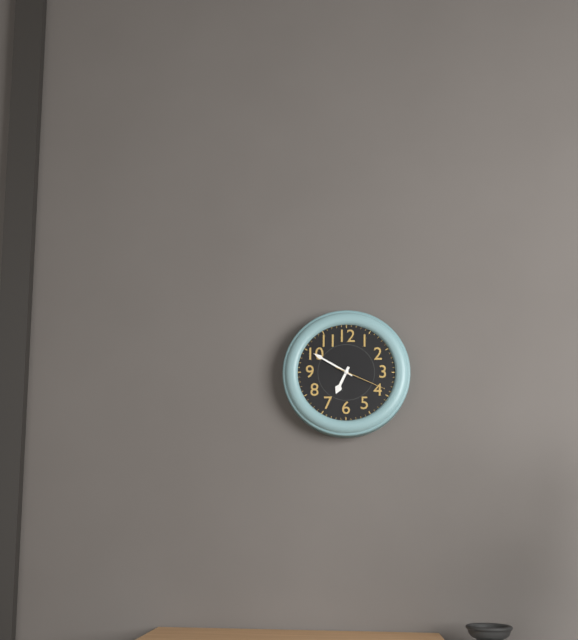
6:50:19
